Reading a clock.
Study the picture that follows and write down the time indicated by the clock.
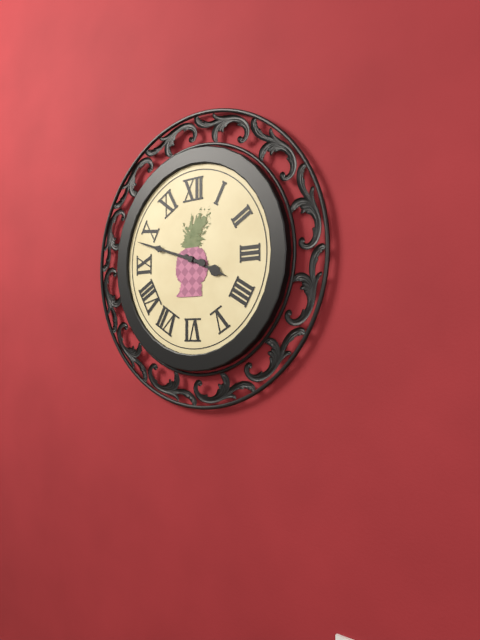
3:48
